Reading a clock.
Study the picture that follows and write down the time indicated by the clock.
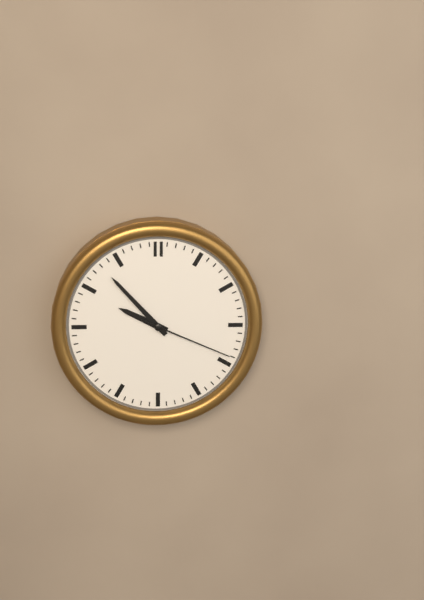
9:53:19
